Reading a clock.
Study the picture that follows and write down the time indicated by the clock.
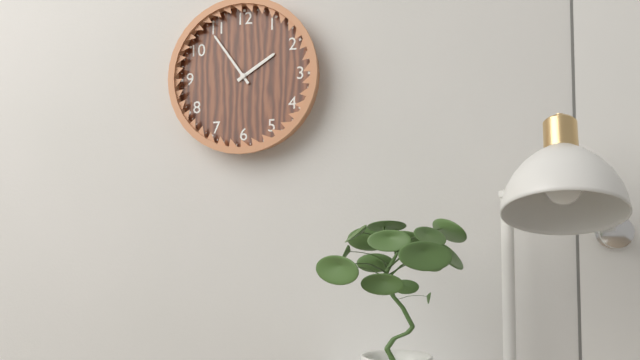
1:54
